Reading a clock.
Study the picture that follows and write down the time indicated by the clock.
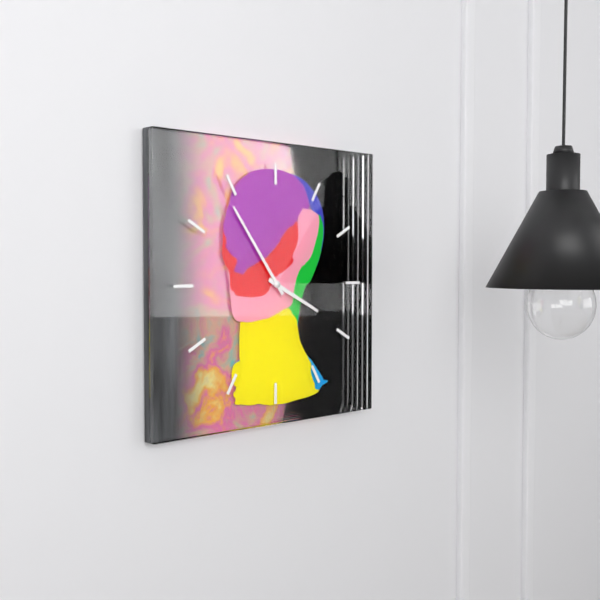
3:54
